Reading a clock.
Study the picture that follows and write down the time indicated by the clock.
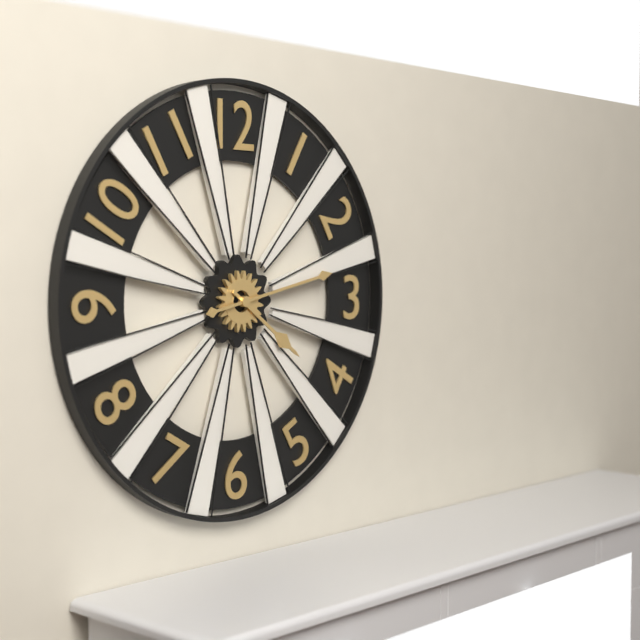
4:13
